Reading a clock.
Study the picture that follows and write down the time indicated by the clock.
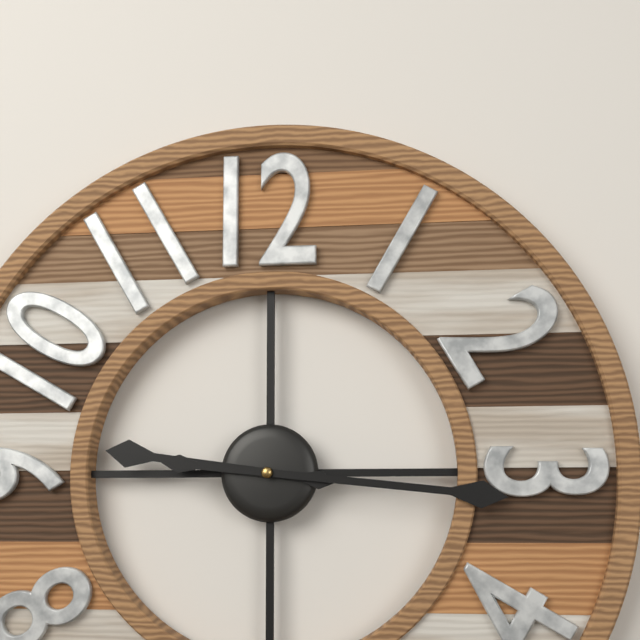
9:16
